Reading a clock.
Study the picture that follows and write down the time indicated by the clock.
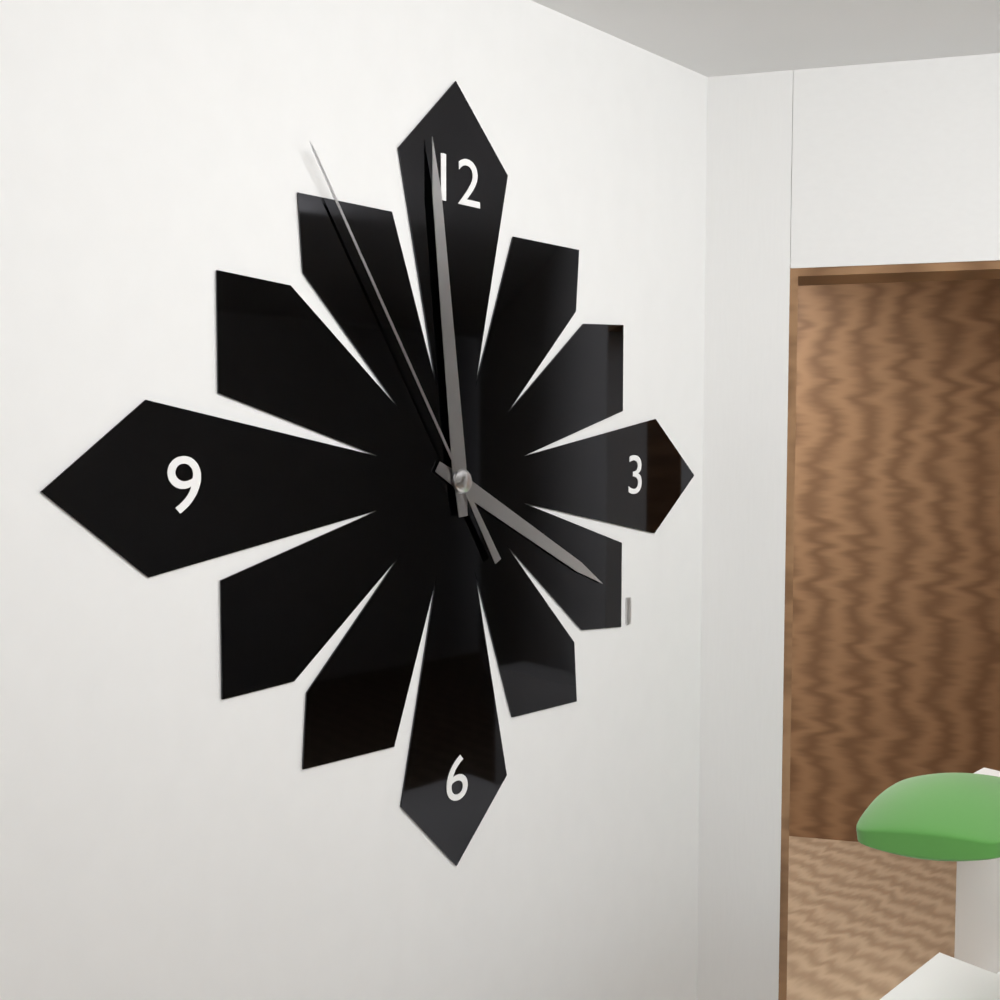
3:59:55
